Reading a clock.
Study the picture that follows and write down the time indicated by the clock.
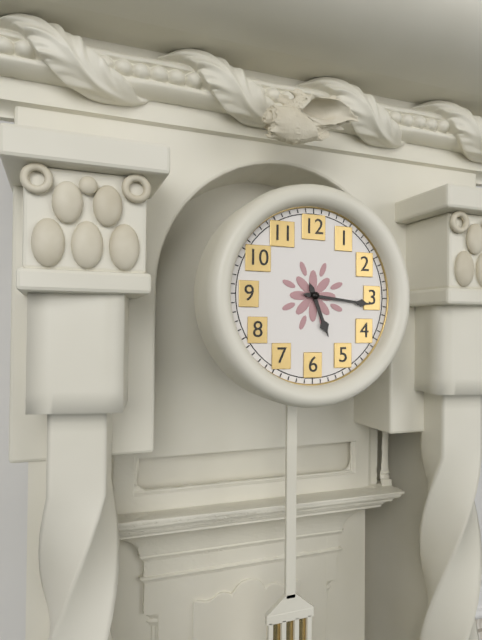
5:16
